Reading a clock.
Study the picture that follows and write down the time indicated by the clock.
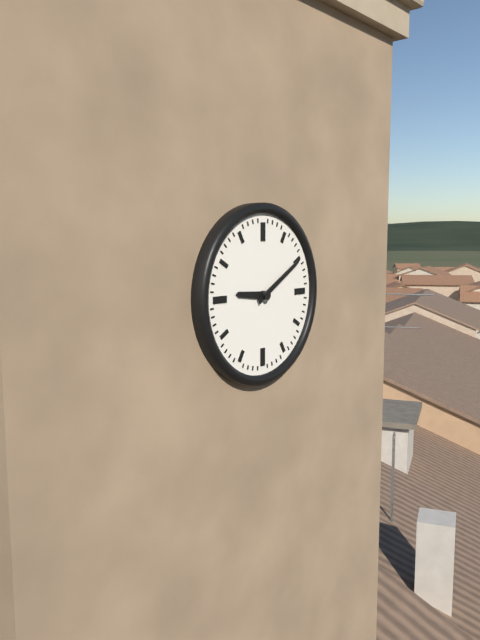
9:10
